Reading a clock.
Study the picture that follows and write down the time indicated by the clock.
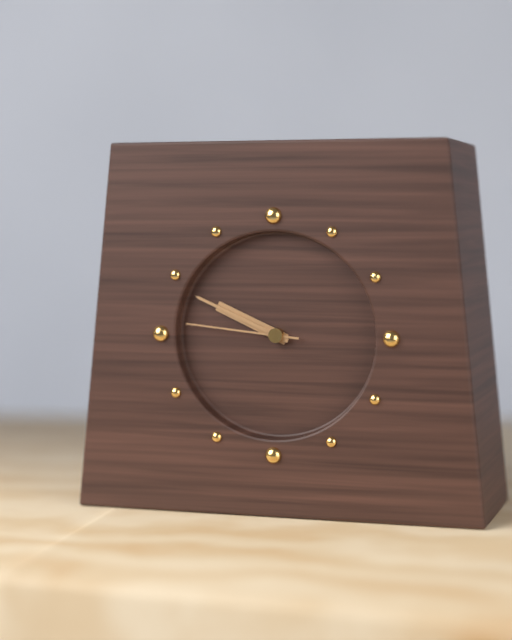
9:49:46
